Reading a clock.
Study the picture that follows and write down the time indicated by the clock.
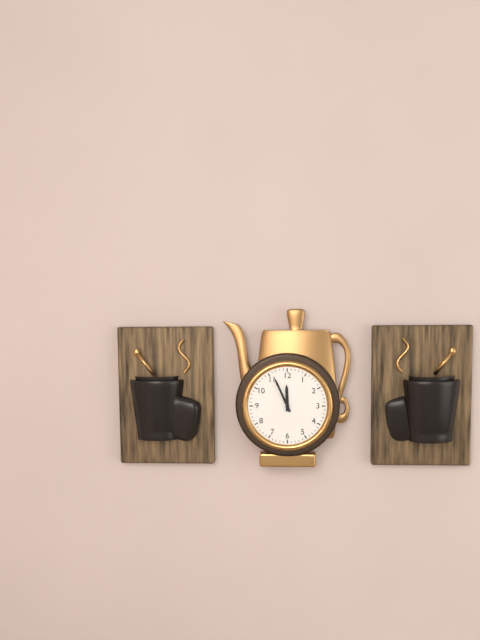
11:56
